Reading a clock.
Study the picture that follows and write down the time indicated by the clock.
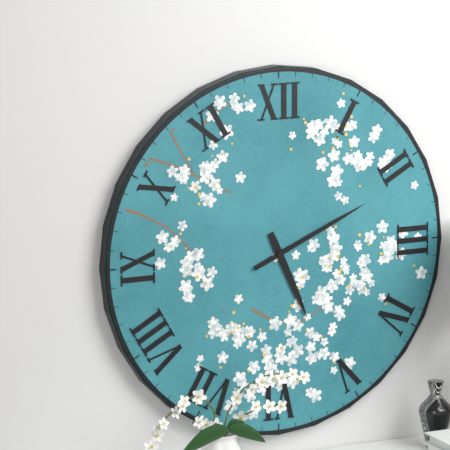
5:11
